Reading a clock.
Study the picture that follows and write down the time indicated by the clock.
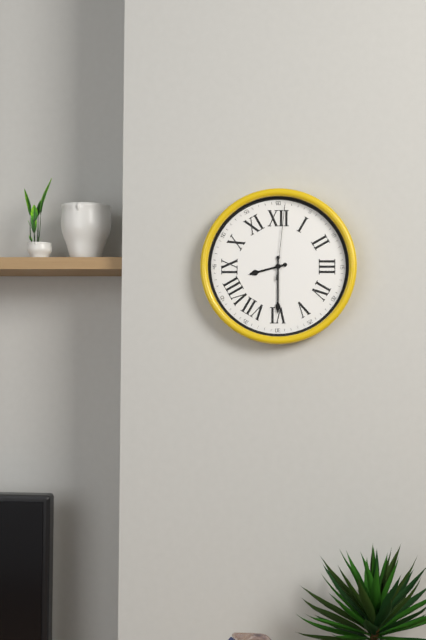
8:30:01
